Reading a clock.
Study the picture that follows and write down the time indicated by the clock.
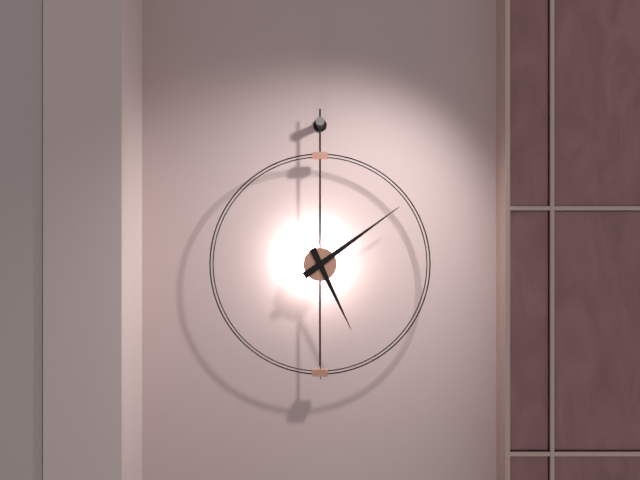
5:09
